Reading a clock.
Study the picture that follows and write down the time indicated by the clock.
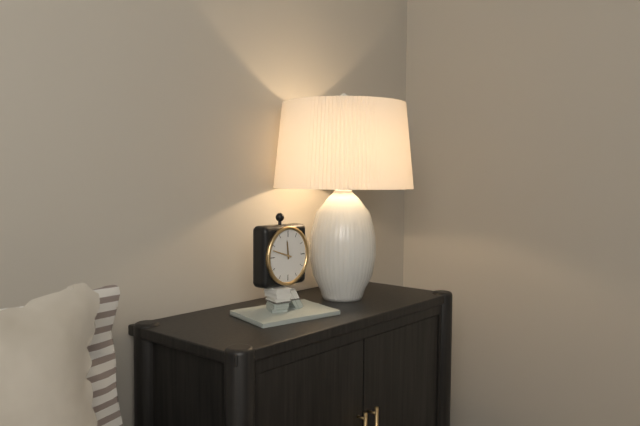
11:48
